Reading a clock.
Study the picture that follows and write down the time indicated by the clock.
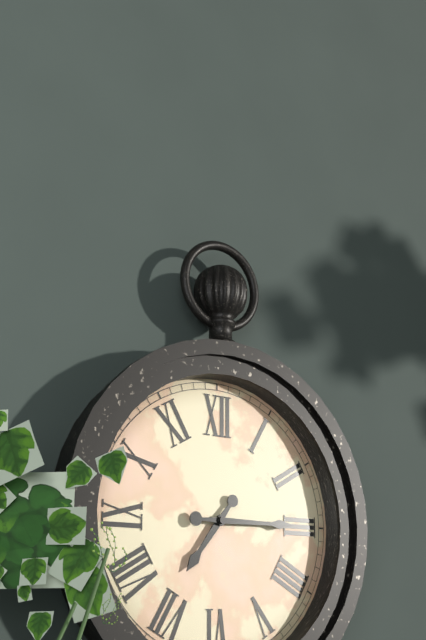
7:15
